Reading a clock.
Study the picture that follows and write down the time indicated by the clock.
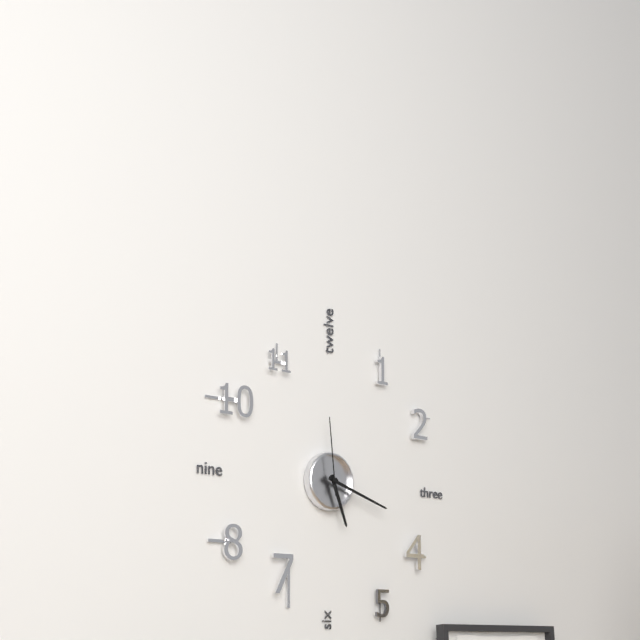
5:18:59
